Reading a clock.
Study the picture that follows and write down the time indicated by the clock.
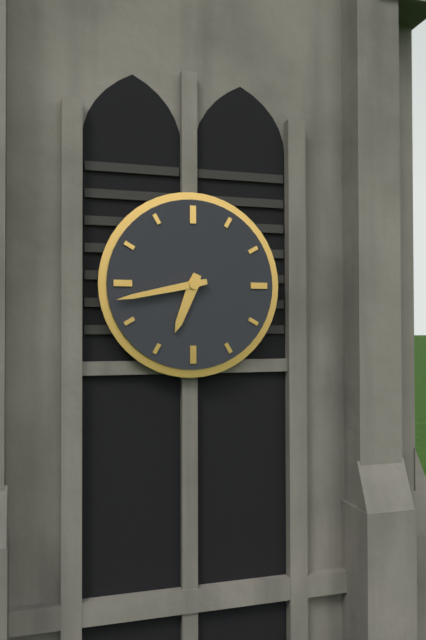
6:43
